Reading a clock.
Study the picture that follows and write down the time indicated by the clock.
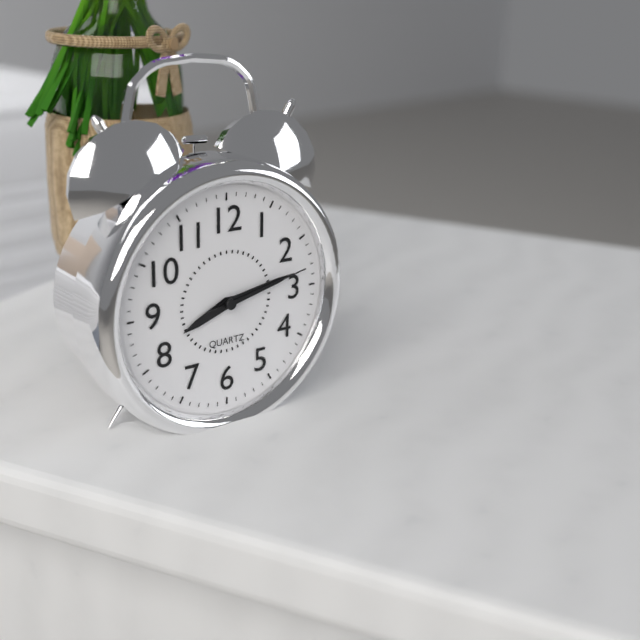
8:13:13
